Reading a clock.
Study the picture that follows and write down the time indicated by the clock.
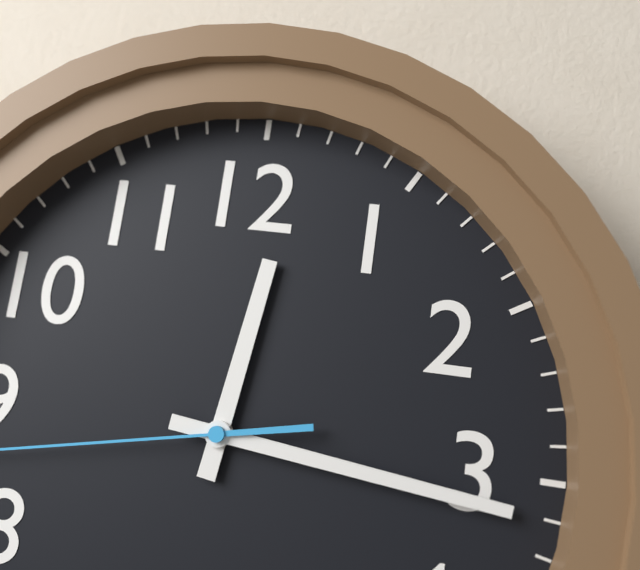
12:16
